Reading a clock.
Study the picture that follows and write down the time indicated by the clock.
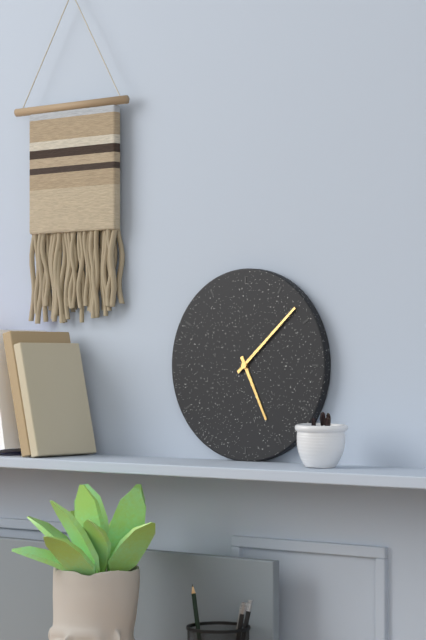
5:08
